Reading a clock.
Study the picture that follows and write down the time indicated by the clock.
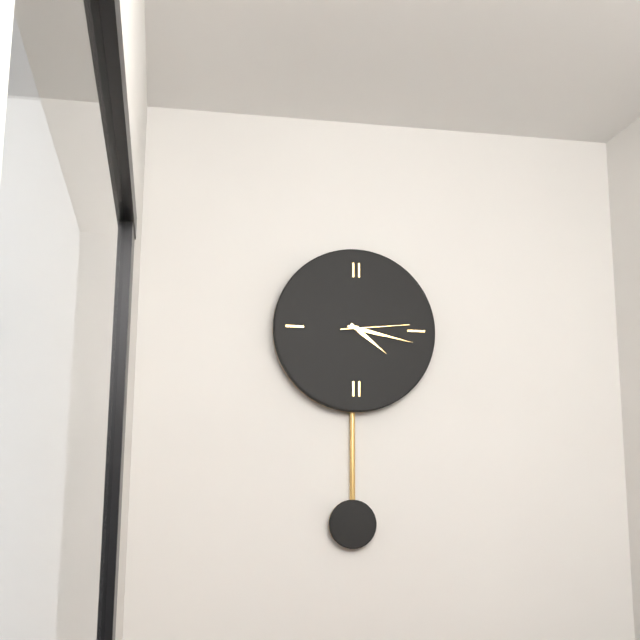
4:17:14
